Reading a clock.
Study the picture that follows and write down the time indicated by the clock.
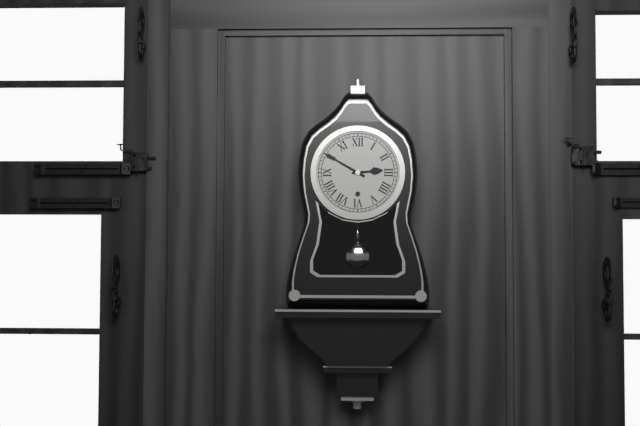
2:50
